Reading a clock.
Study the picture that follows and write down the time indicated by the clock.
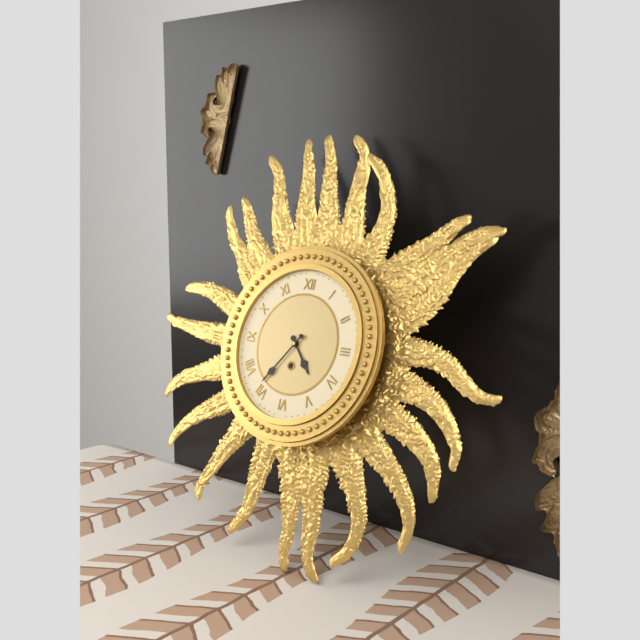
4:36
